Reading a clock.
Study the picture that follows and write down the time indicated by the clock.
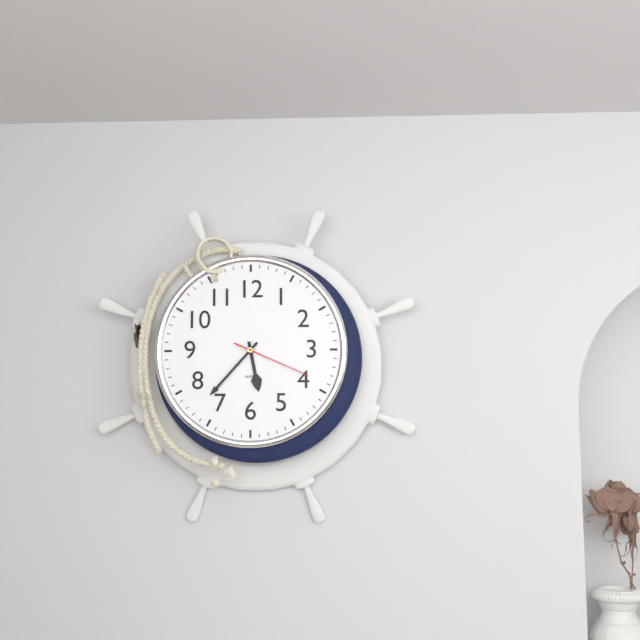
5:37:19
